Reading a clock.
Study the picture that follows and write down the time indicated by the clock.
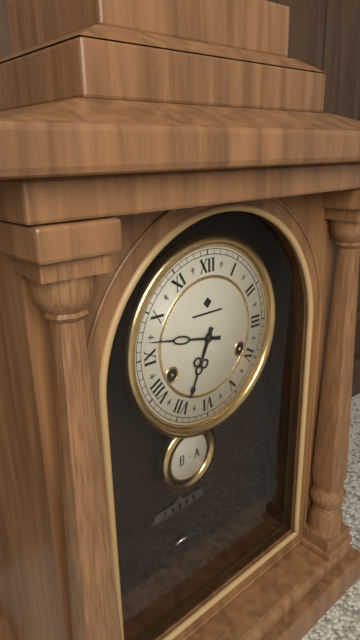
6:47
